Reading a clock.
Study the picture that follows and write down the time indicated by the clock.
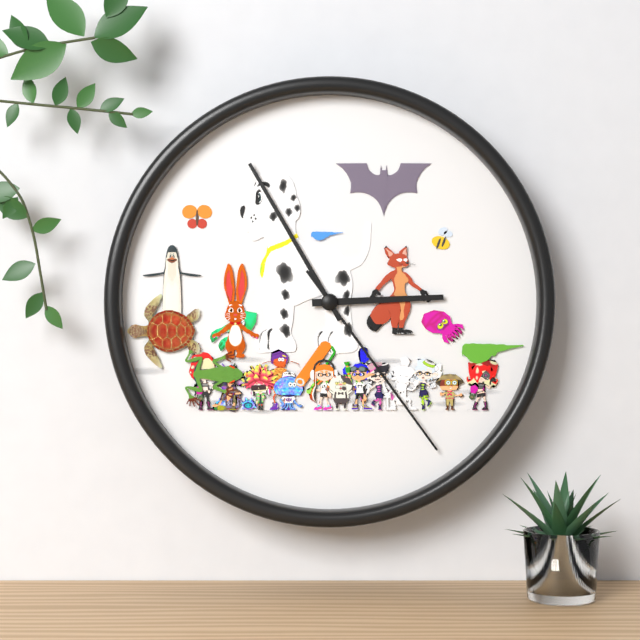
2:55:24
